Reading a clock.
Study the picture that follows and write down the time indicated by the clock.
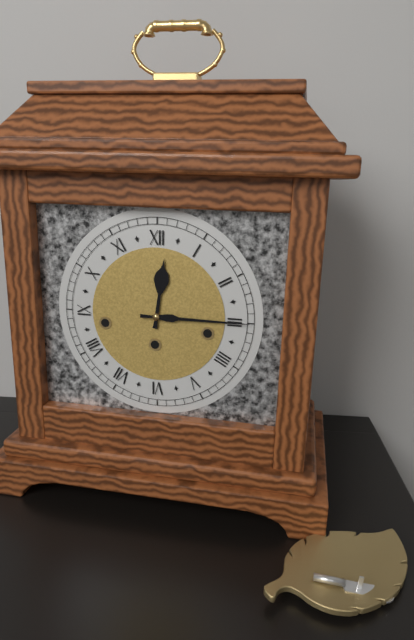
12:15
